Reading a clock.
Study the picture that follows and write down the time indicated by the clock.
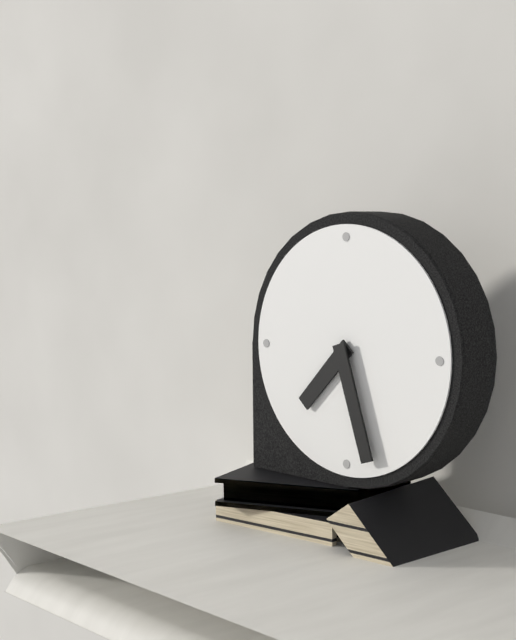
7:27
